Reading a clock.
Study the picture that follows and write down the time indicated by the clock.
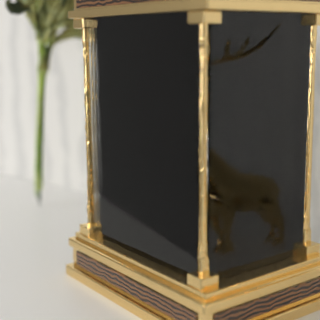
12:24
